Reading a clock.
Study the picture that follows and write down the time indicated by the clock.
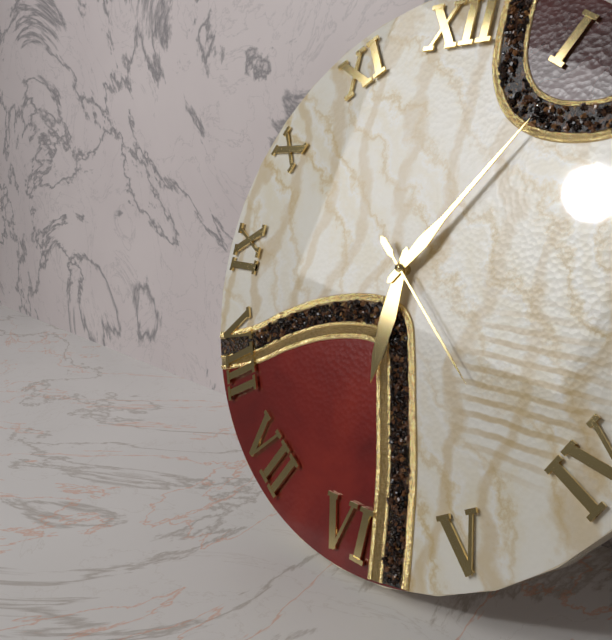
6:06:22
